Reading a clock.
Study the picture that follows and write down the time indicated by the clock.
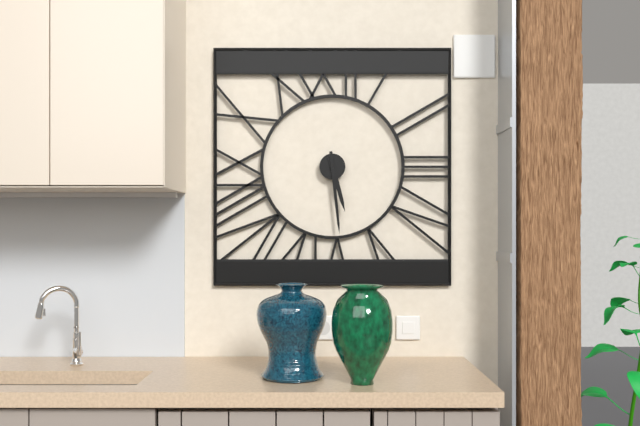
5:29
